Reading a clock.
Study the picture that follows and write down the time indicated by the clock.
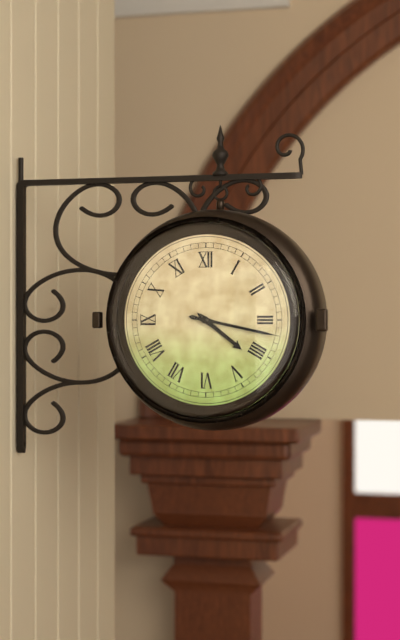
4:17
